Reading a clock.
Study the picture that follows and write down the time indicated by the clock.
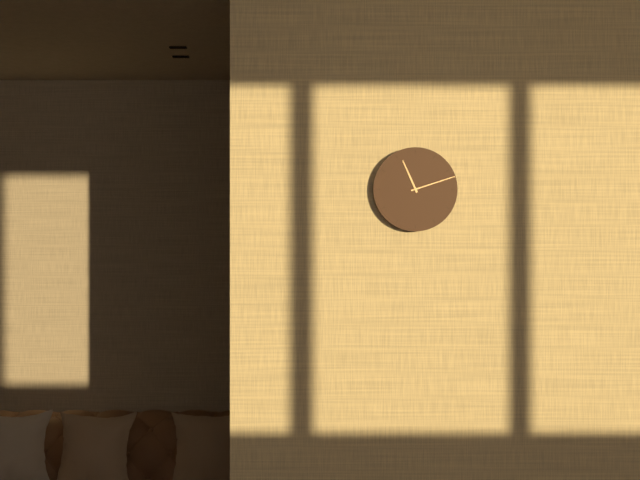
11:12
